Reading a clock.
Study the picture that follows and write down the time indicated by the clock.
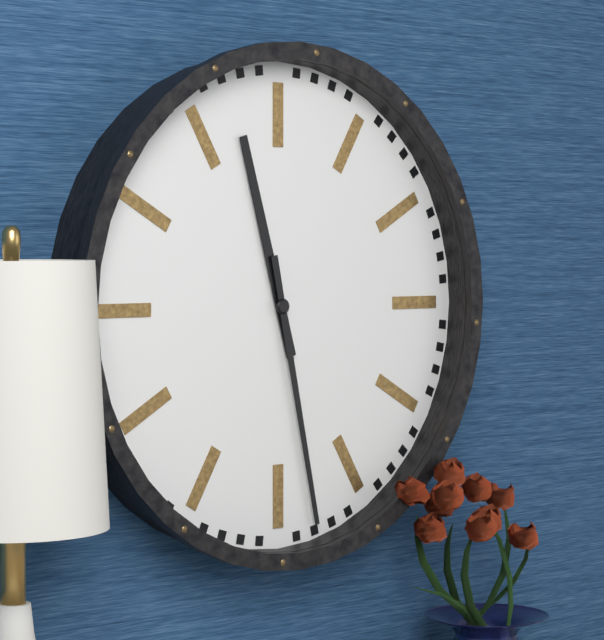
11:28
